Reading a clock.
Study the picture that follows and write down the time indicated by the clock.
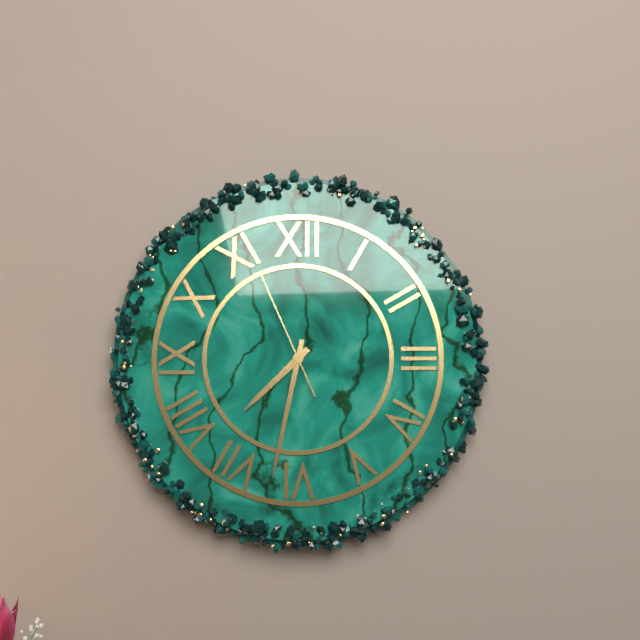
7:32:56
